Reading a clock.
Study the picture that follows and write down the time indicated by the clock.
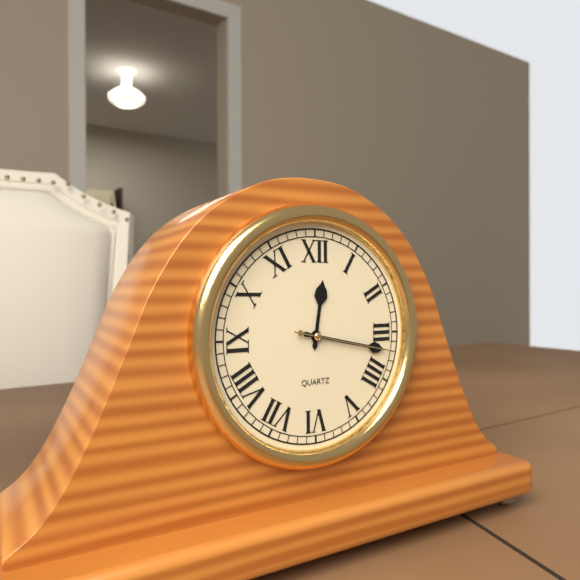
12:17:17
